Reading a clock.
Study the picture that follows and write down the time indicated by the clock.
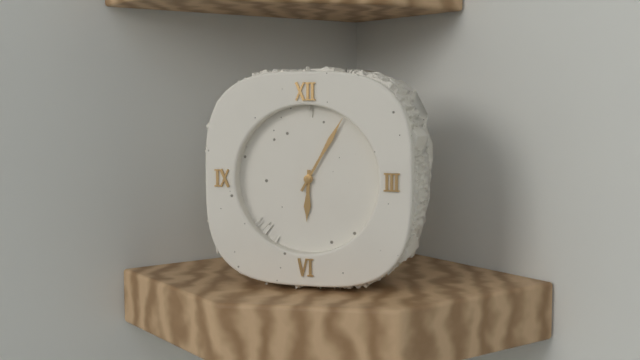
6:05
